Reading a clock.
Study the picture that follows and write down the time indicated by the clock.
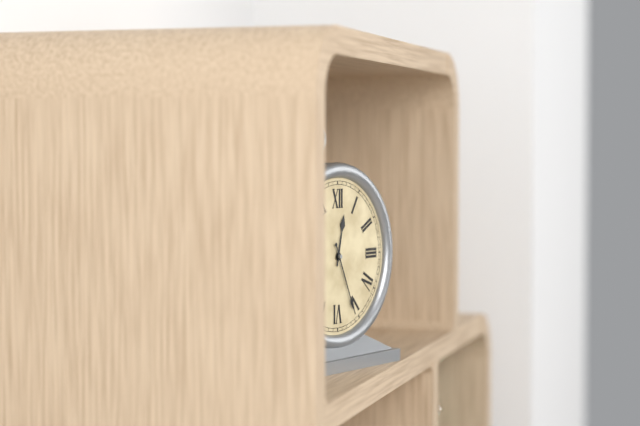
12:26
